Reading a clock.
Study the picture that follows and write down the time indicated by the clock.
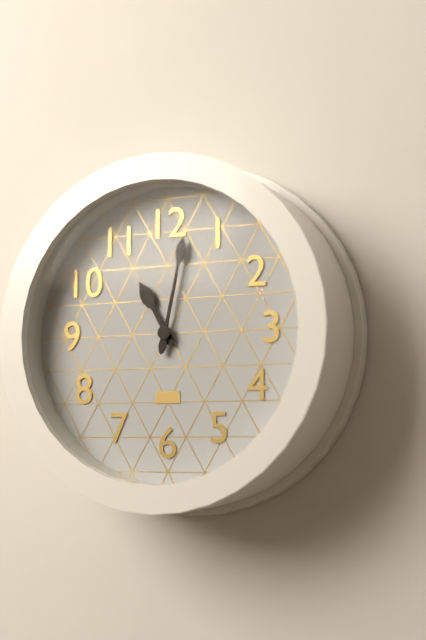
11:02
